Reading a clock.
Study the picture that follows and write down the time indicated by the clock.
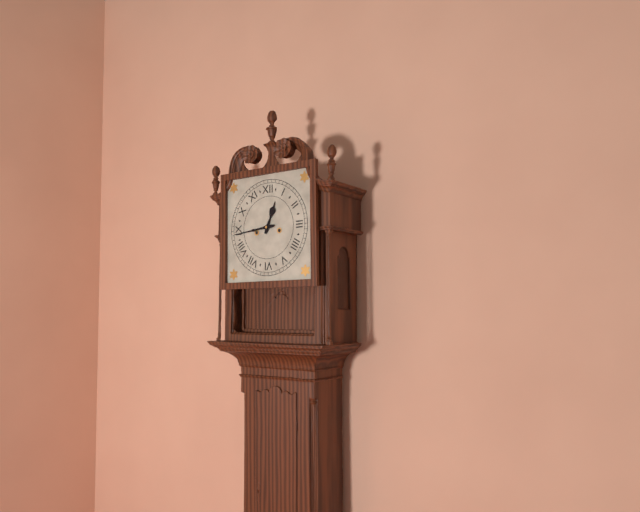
12:44
